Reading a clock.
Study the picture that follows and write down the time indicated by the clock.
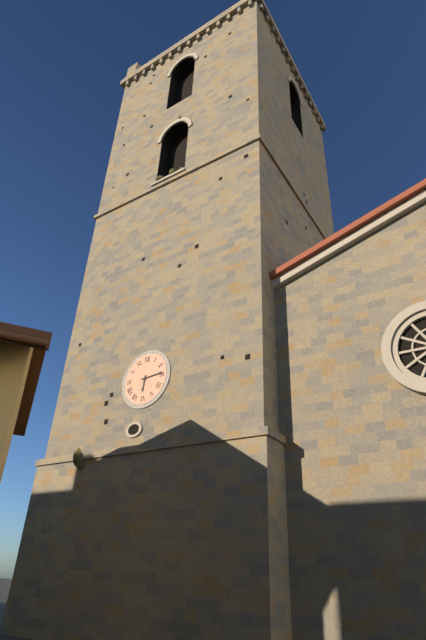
6:14
